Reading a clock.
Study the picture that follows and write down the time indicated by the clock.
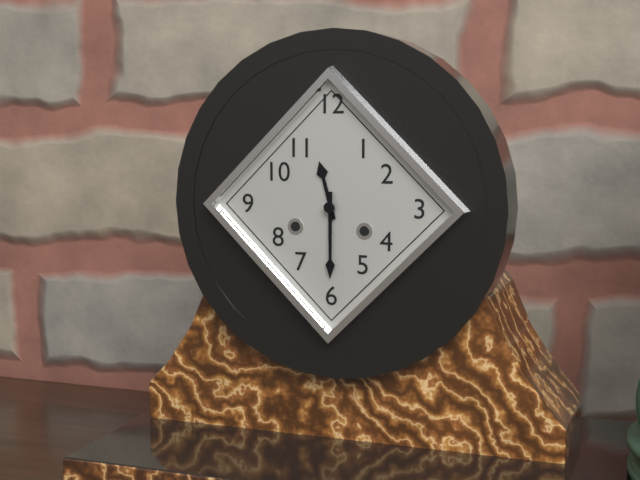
11:30
